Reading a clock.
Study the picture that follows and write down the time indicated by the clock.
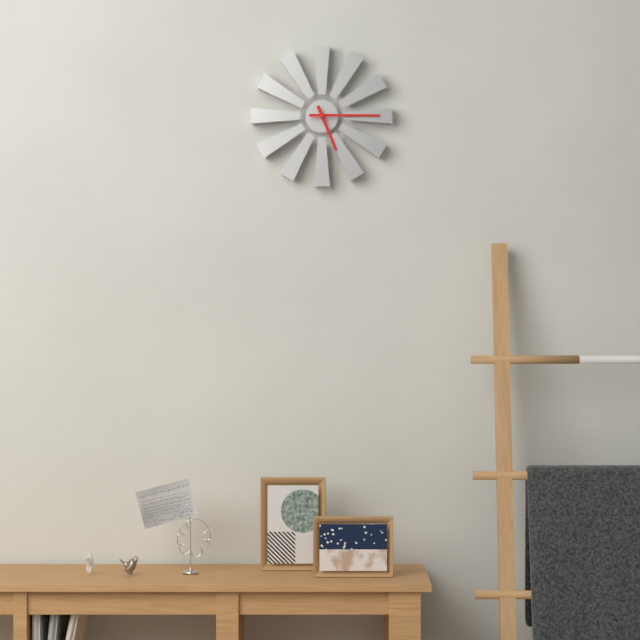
5:15
